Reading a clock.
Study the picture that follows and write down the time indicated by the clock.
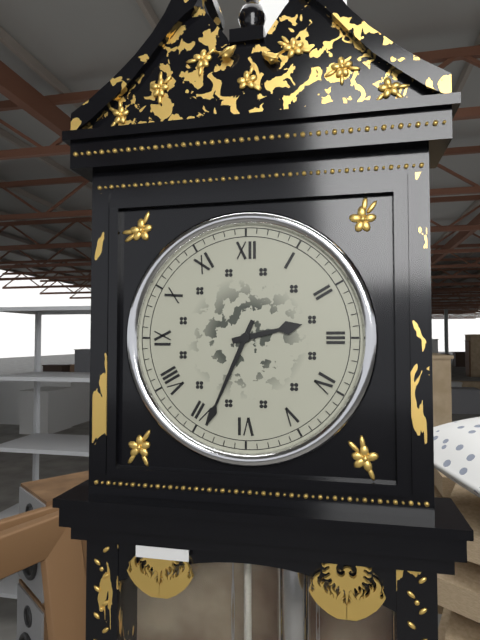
2:34
